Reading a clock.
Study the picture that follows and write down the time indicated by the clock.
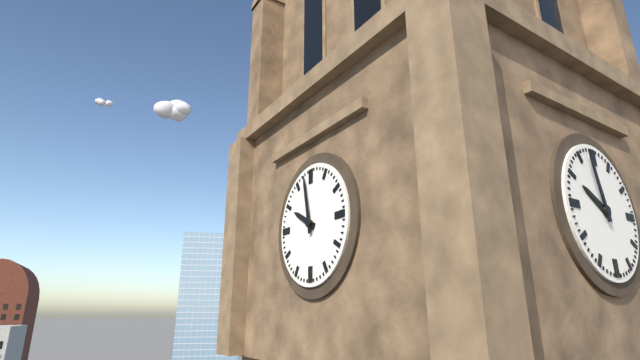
9:58
